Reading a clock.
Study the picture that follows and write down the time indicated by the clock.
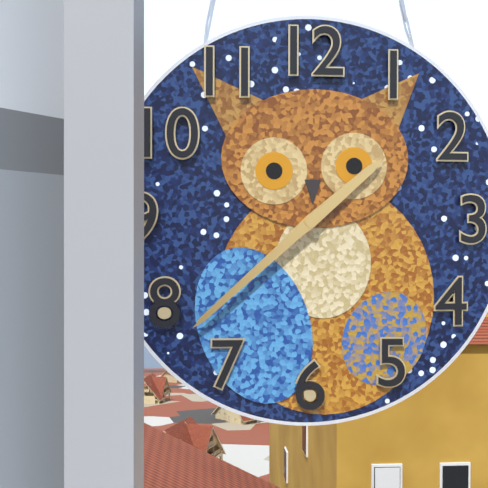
1:38
